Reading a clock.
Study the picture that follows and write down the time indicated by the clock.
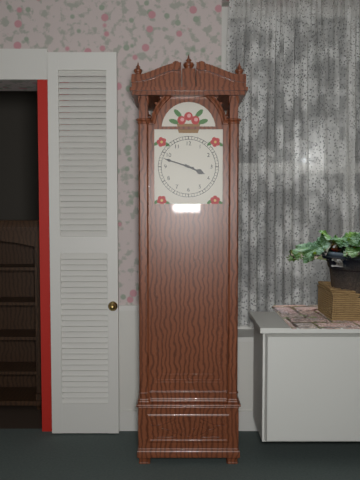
3:48
